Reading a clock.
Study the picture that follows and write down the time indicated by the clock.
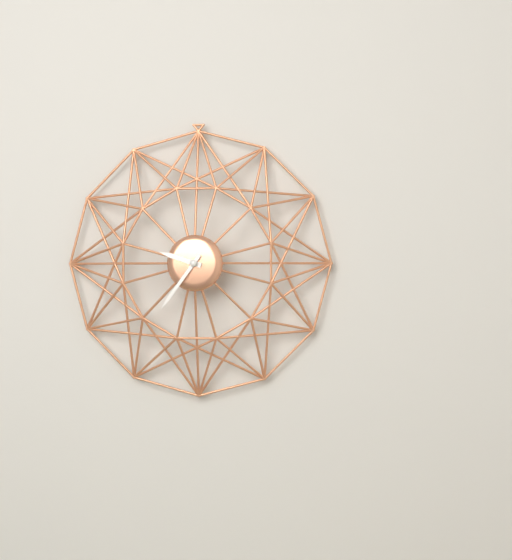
9:36
